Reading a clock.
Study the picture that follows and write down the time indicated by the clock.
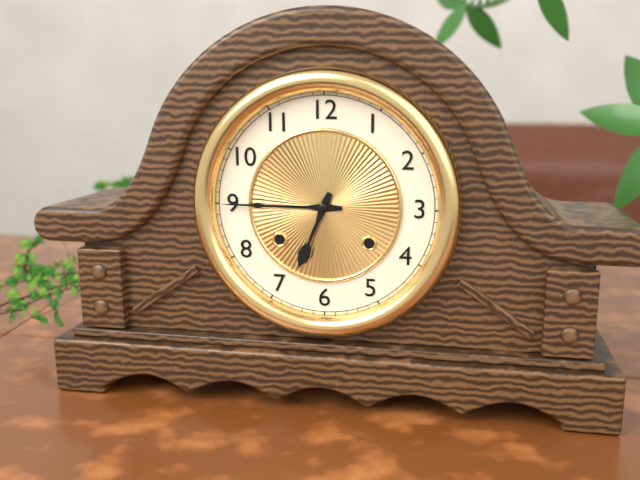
6:45
